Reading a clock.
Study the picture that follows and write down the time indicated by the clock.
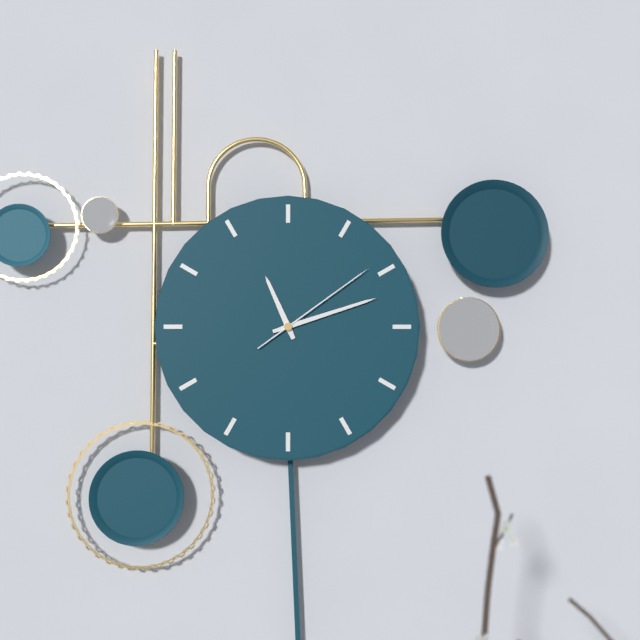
11:12:09
